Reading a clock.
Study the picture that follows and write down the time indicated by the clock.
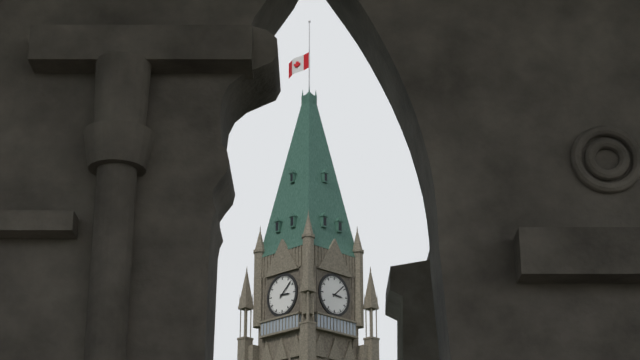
3:08
